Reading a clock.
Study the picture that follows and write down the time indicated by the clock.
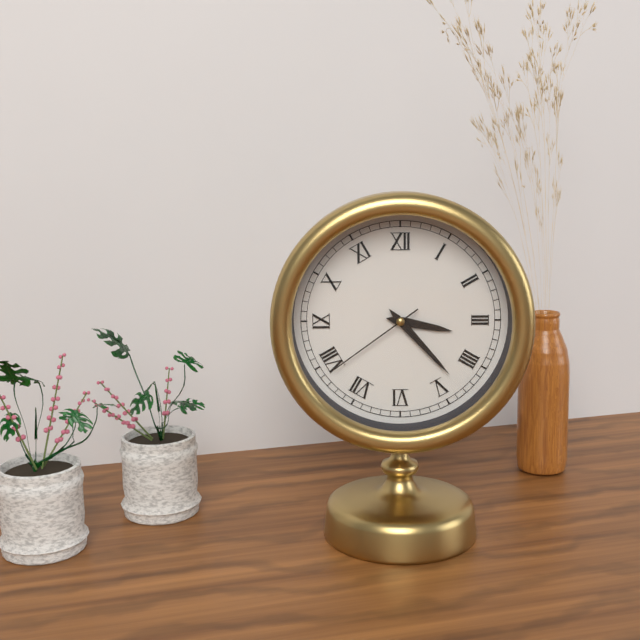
3:23:39
